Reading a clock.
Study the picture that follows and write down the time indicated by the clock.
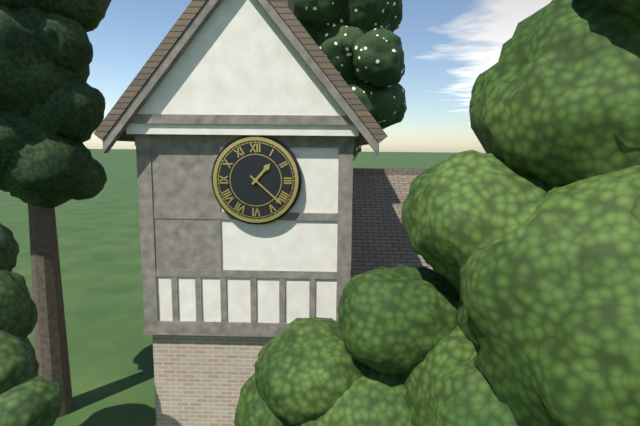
1:22
